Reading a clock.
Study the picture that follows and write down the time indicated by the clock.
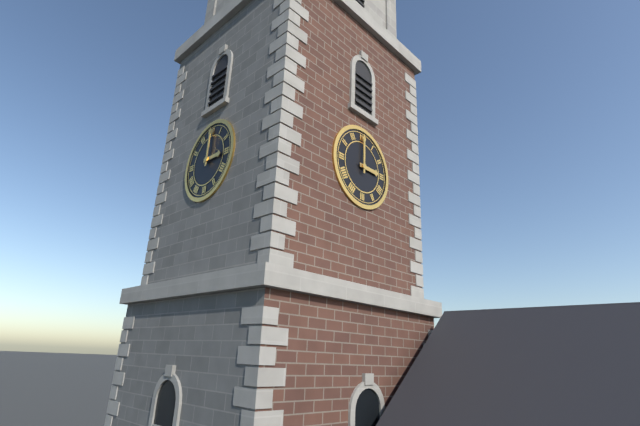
3:00
